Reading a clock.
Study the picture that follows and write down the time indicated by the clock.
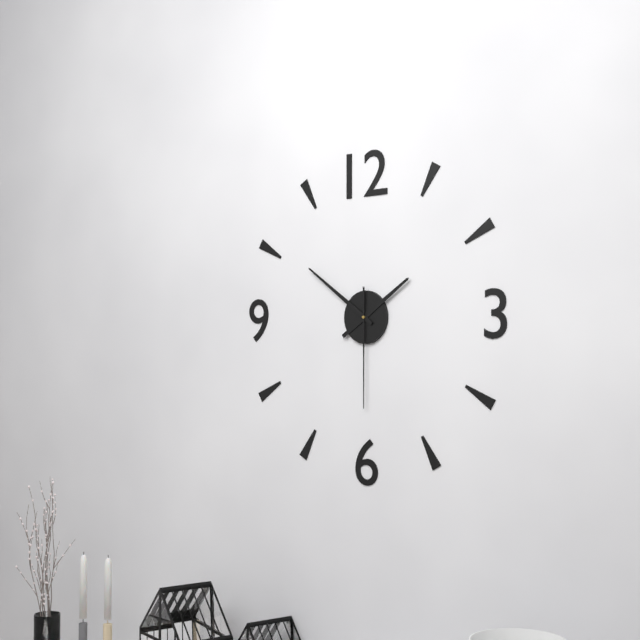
1:51:30
